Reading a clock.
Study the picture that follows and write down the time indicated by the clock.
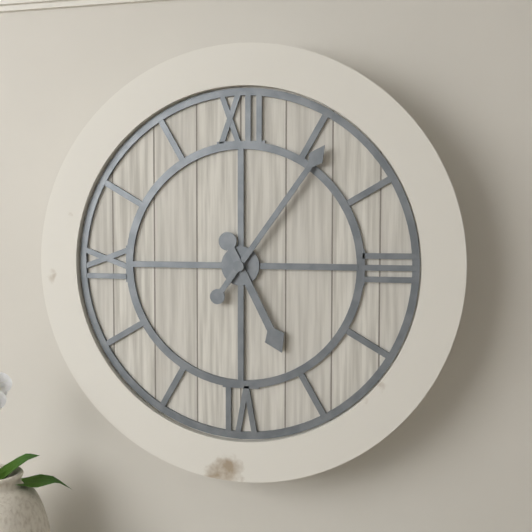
5:06
